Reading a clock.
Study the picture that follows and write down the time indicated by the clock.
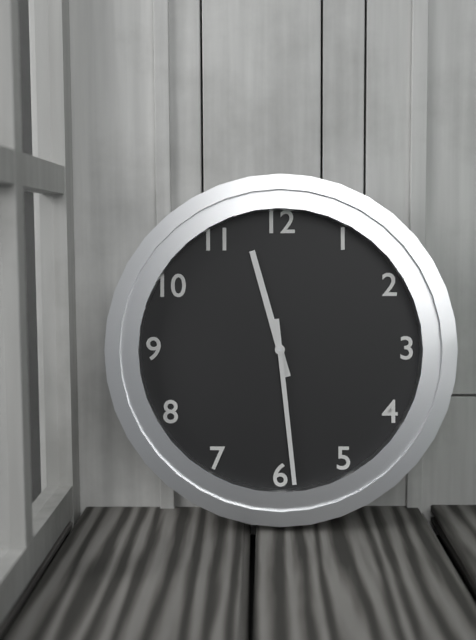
11:29
